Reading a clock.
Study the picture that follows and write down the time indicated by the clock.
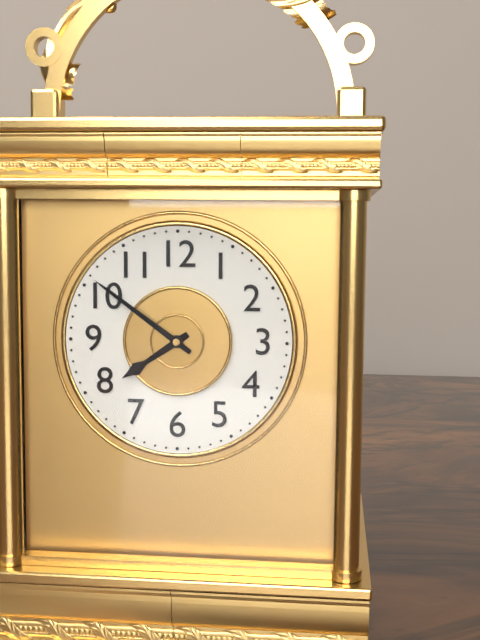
7:51
